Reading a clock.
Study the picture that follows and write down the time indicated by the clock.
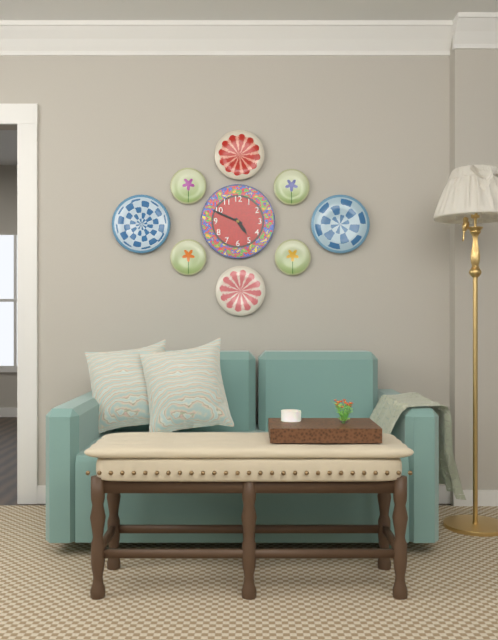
4:49
